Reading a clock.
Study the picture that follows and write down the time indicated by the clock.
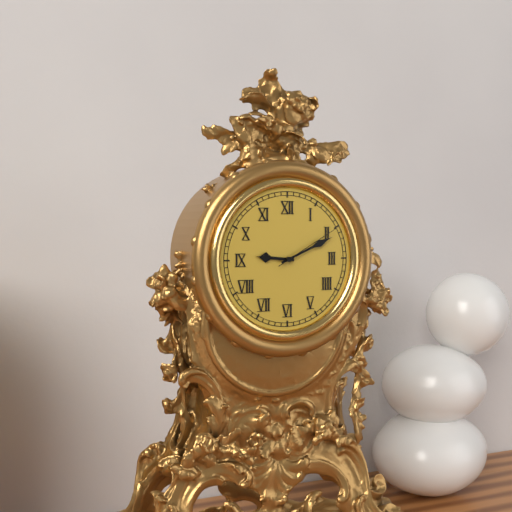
9:11:10
